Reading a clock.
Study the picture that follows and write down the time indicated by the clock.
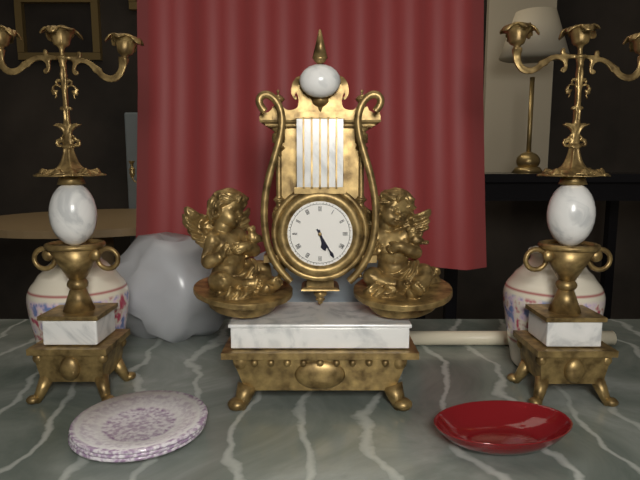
5:25
